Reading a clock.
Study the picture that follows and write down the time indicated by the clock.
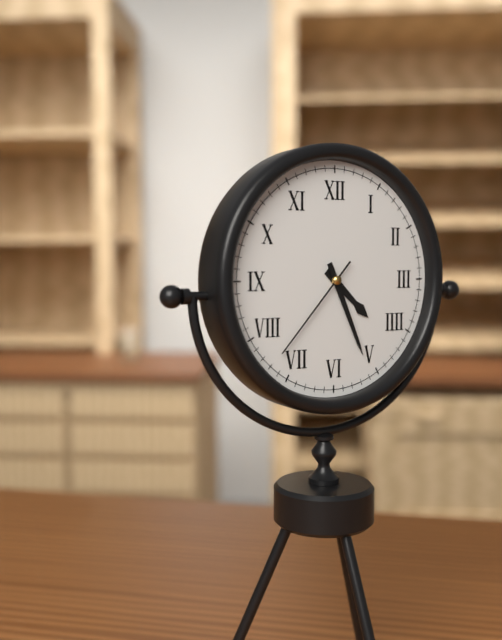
4:26:37
